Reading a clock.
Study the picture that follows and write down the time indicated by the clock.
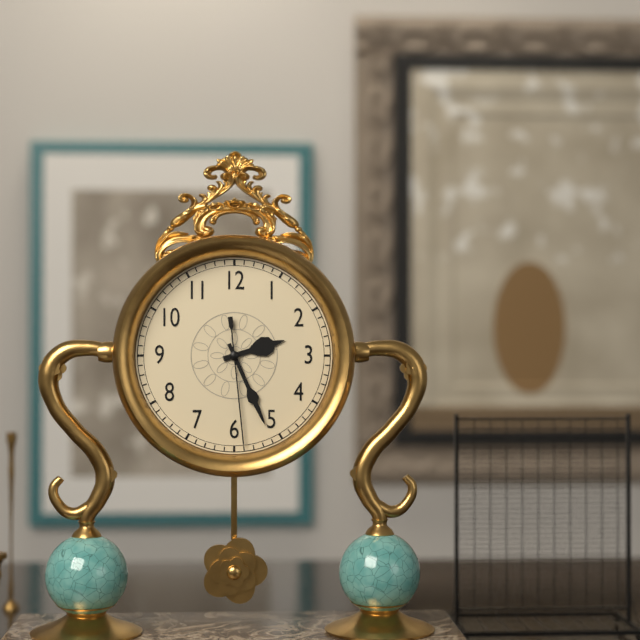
2:26:29
